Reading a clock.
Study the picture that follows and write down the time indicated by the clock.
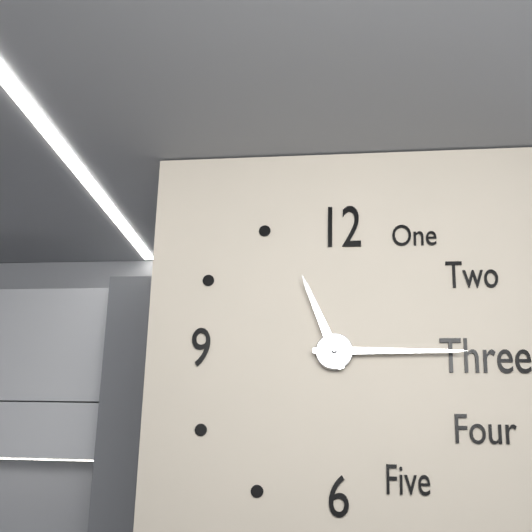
11:15
